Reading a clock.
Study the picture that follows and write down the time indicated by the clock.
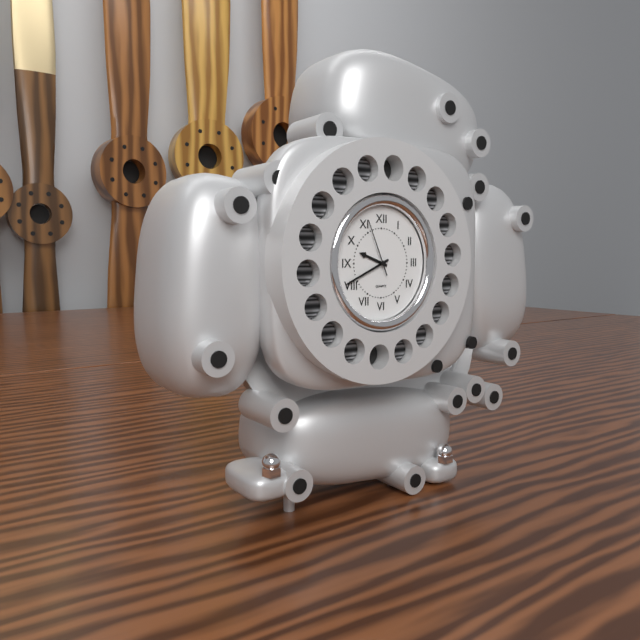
9:41:56
